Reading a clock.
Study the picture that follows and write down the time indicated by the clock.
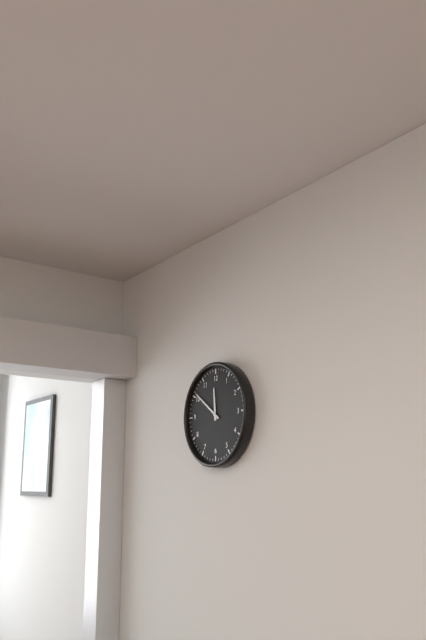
11:51
